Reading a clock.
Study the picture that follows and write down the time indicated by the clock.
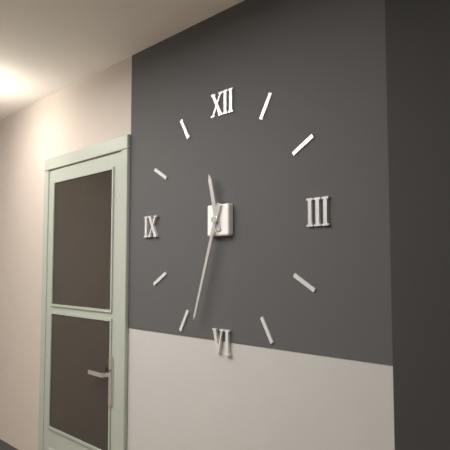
11:33
